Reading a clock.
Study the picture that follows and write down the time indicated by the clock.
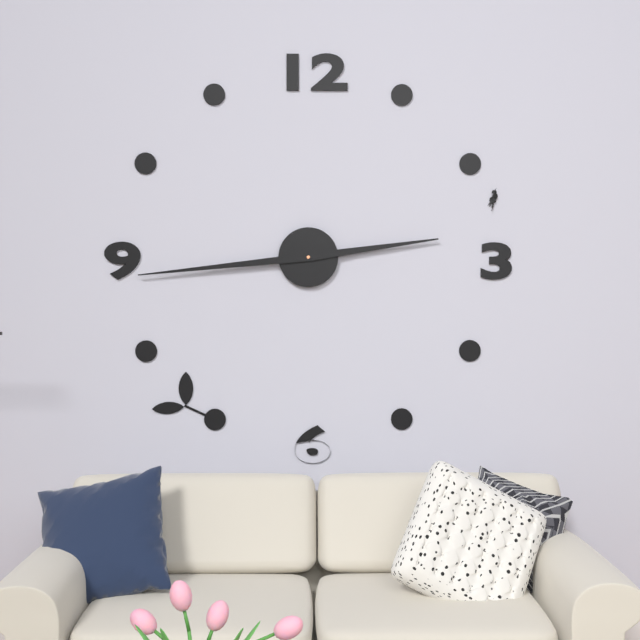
2:44
